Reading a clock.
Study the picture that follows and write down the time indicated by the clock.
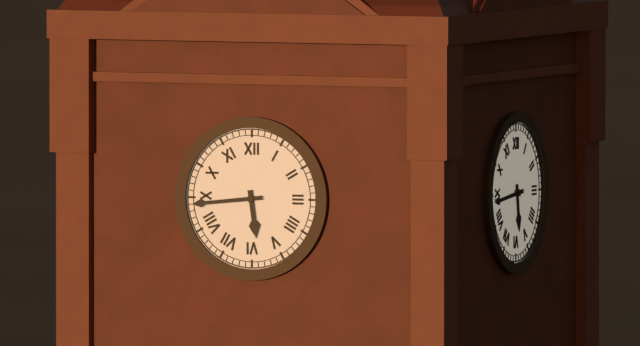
5:44
